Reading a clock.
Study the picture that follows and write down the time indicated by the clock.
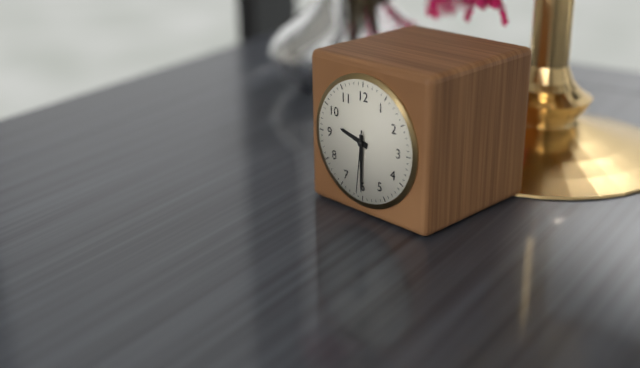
9:30:31
